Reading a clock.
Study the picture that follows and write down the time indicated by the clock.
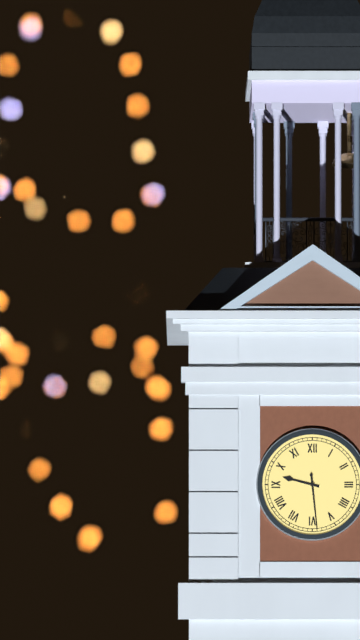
9:29
